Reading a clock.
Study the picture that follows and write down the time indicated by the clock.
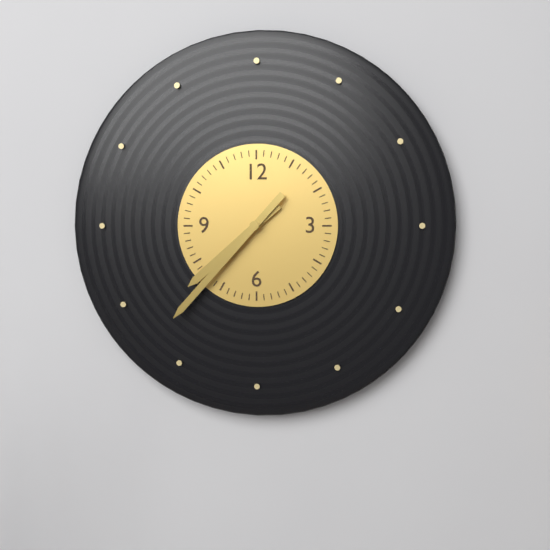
7:37
